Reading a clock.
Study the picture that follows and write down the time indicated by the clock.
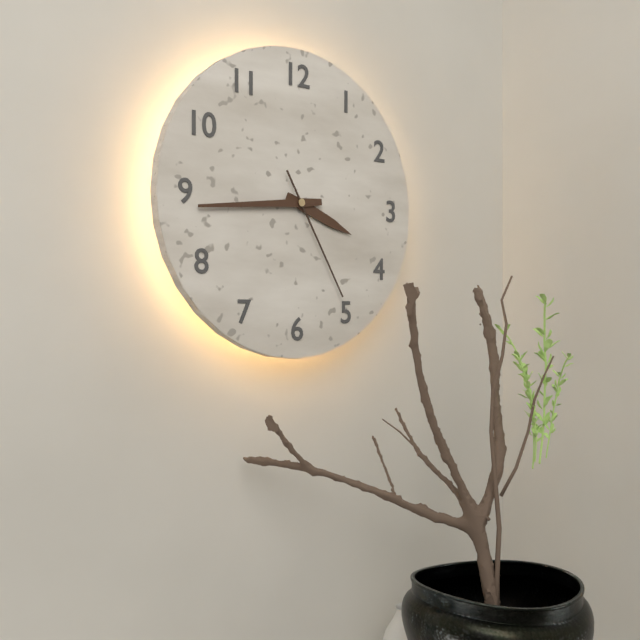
3:44:25
